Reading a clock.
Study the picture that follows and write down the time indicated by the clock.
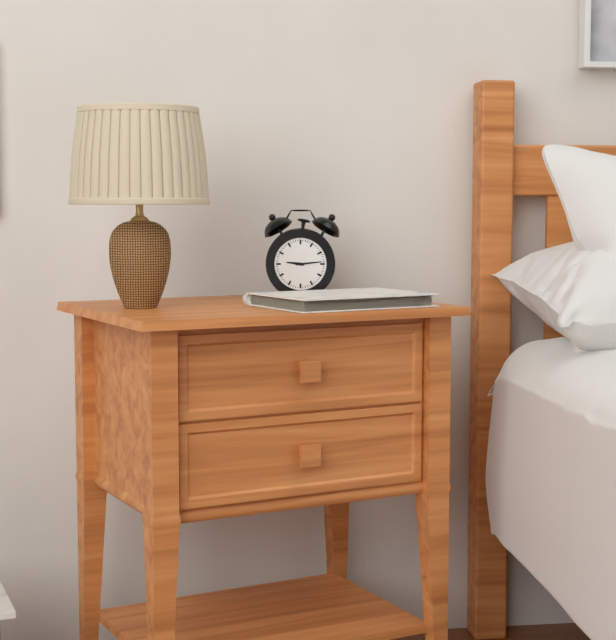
9:14
